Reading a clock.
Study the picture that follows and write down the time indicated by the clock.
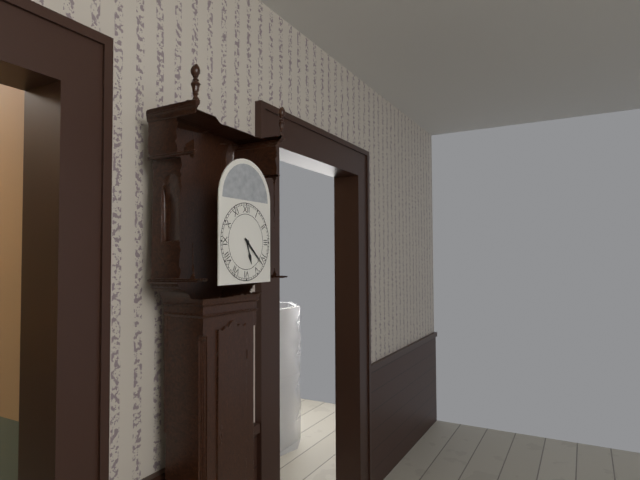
5:22
